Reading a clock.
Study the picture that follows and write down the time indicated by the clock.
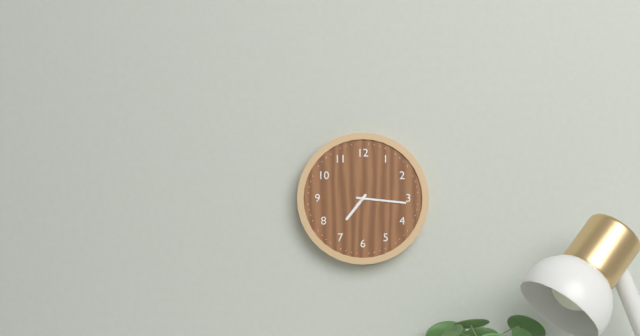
7:16
